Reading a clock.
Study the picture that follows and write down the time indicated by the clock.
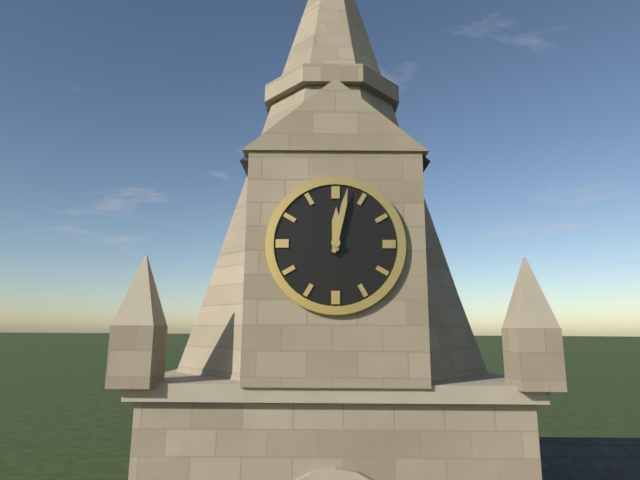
12:02
